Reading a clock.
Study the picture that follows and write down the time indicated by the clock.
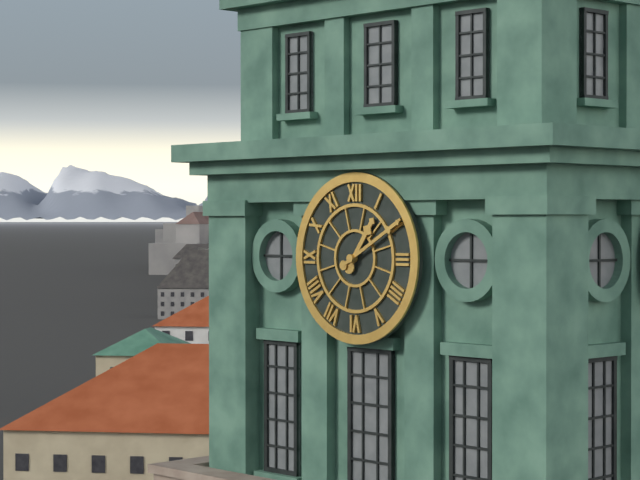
1:10
